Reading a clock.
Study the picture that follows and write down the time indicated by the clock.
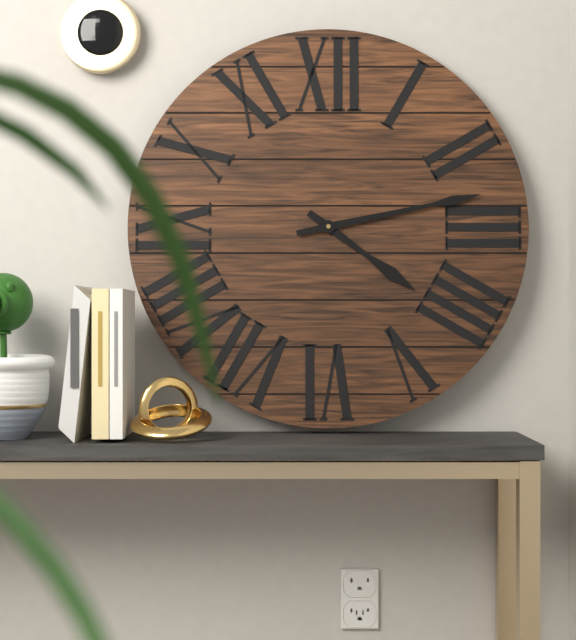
4:13
